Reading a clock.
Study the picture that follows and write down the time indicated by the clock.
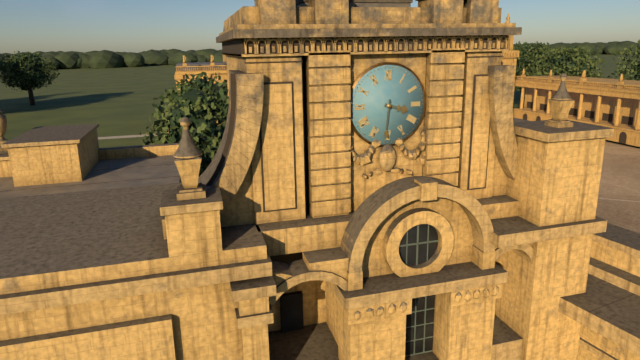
3:31
